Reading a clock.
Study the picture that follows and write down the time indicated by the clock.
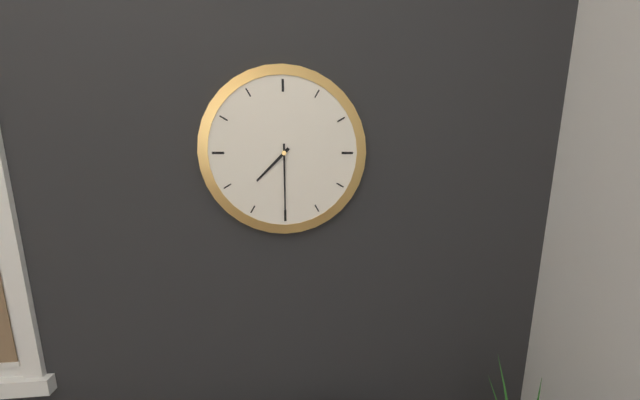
7:30
